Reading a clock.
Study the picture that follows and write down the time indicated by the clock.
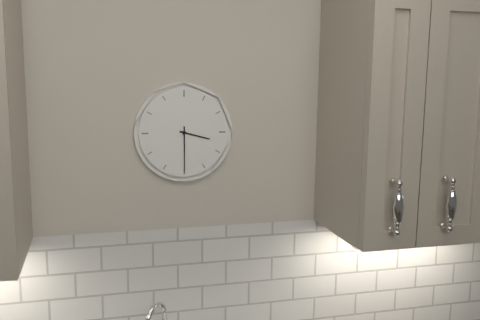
3:30
